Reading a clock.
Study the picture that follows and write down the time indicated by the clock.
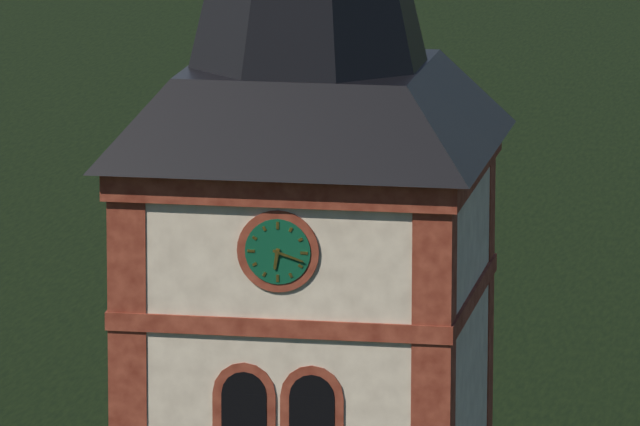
6:18
